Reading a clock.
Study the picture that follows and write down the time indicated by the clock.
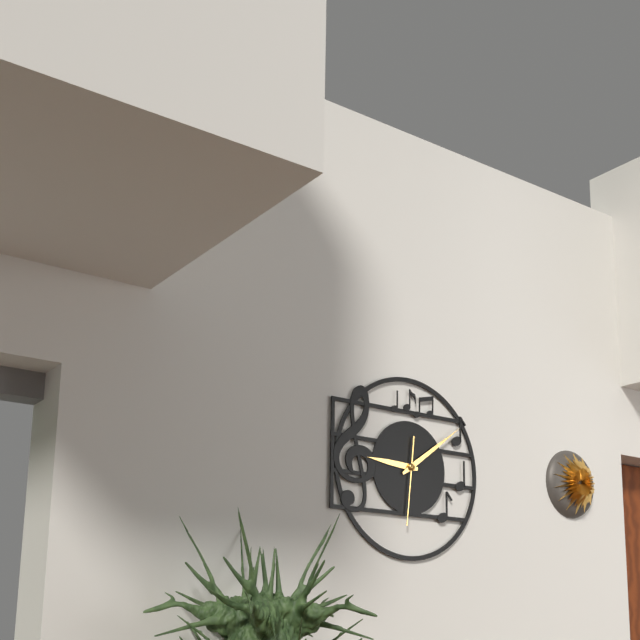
9:09:31
